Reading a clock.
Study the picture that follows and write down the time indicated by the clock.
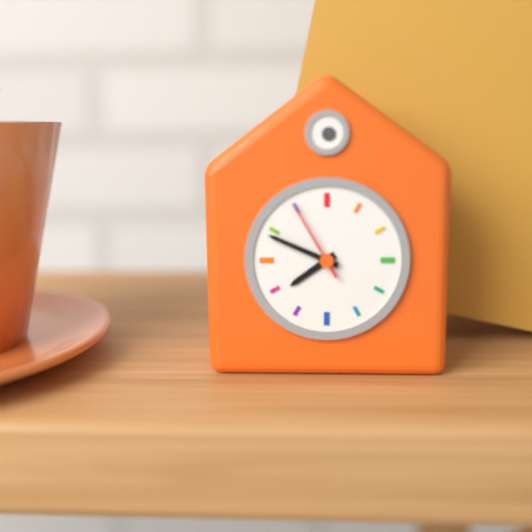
7:49:55
